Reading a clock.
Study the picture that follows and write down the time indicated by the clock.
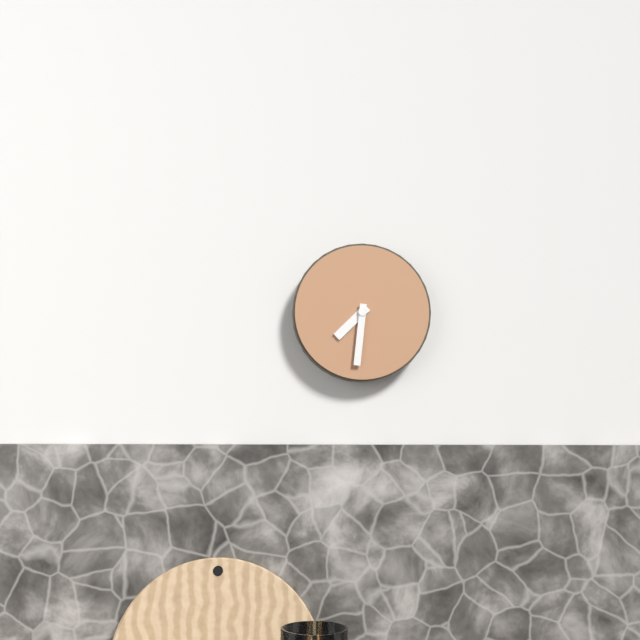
7:31
